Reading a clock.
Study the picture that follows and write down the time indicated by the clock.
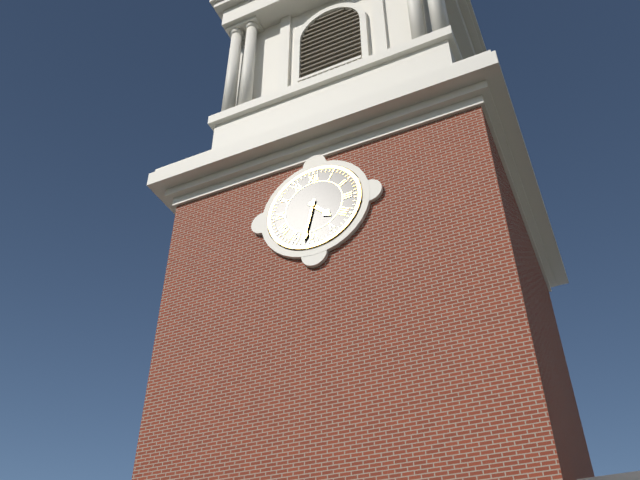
4:32
